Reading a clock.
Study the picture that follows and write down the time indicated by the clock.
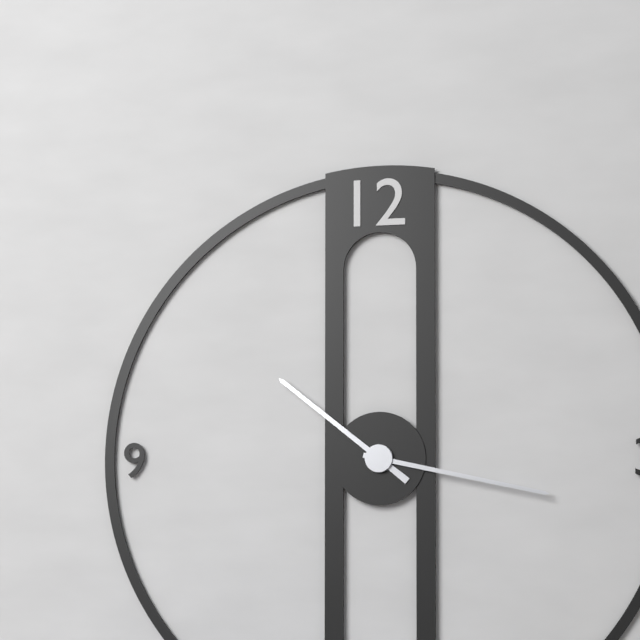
10:17
